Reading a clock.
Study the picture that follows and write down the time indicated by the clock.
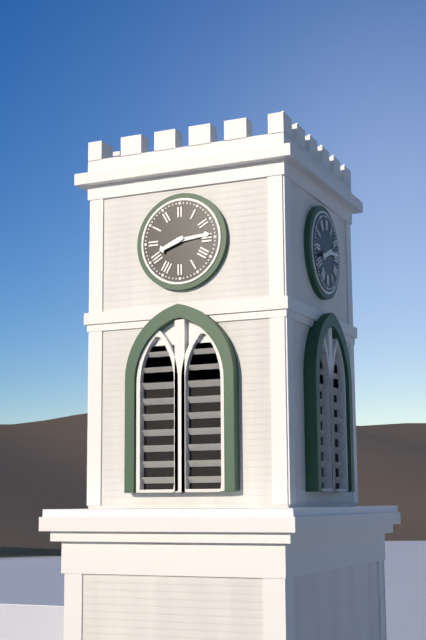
8:14
